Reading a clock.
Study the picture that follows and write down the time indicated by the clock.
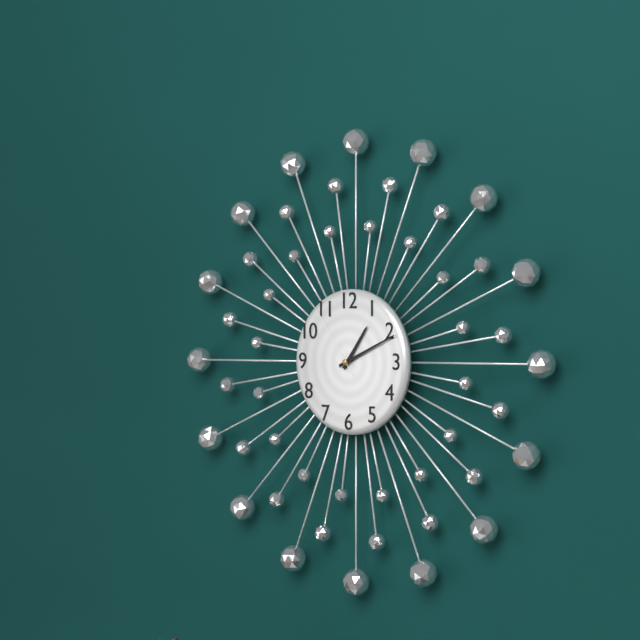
1:11:54
